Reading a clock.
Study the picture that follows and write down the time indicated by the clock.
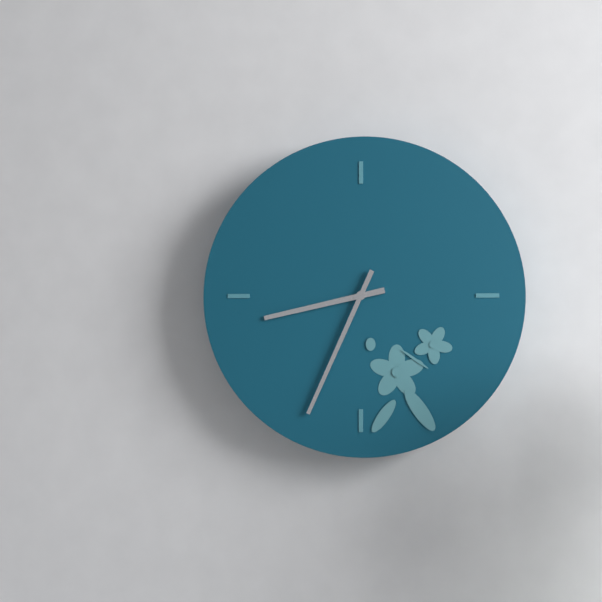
8:34
